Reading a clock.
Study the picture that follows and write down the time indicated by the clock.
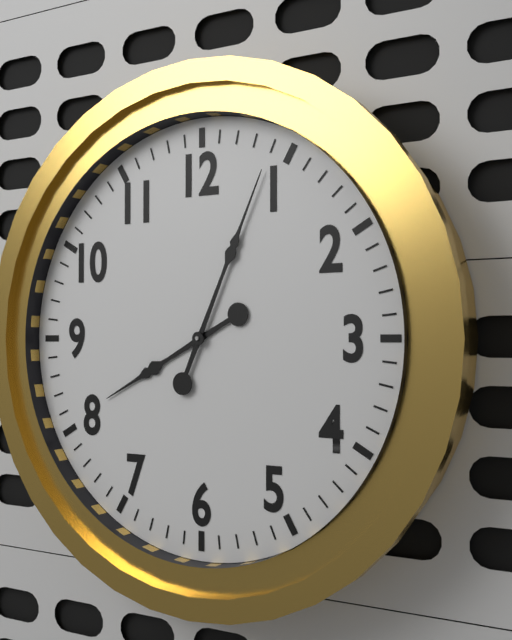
8:04
